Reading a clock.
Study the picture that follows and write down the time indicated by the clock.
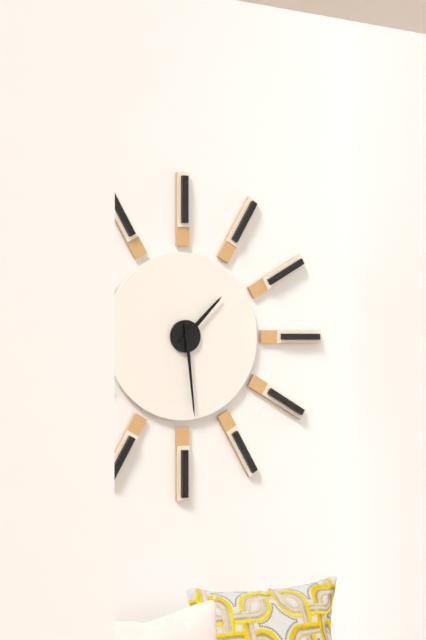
1:29
